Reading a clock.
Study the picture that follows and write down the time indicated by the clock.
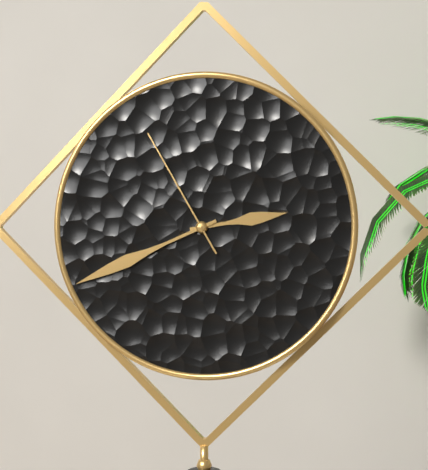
2:41:55
